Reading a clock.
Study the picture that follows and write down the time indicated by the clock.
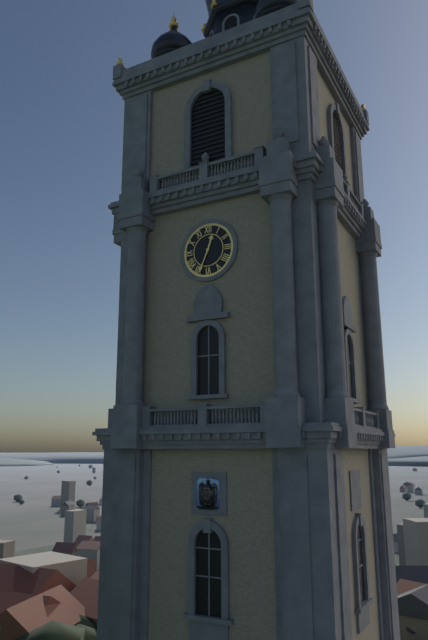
12:34
